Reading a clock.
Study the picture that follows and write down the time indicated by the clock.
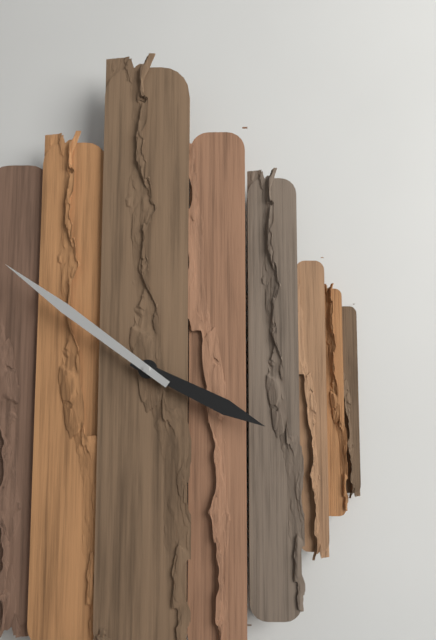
3:51
